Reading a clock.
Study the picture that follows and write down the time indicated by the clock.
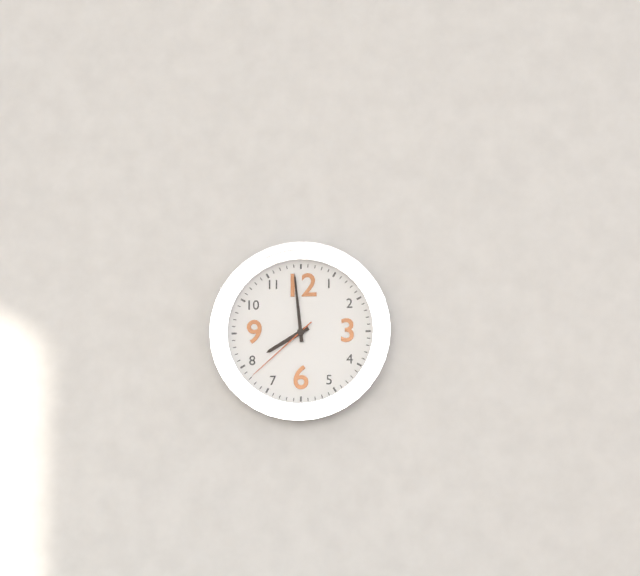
7:59:38
